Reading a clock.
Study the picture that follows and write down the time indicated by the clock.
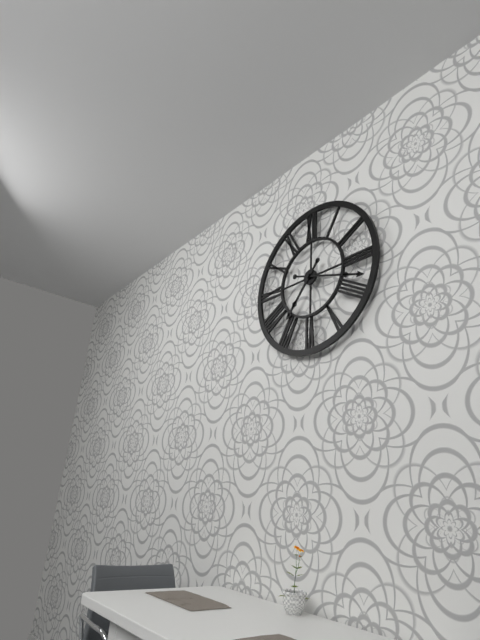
7:18
